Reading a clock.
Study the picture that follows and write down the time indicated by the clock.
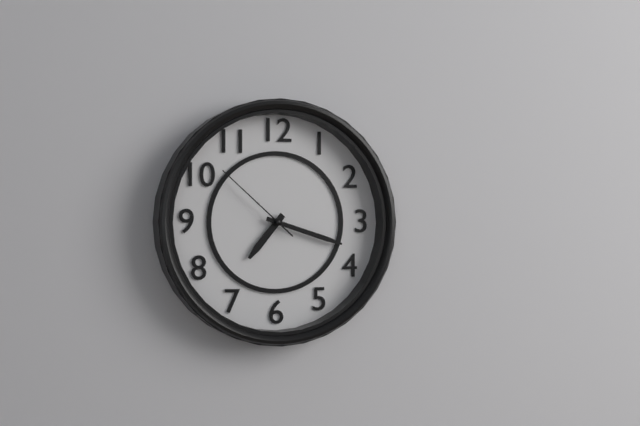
7:18:52
